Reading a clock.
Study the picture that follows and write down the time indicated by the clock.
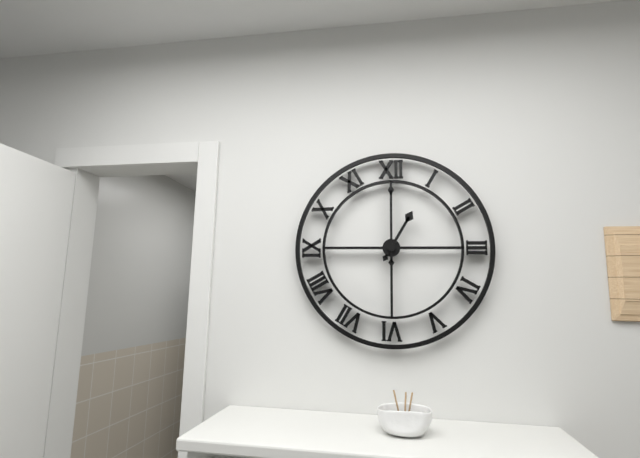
1:00
